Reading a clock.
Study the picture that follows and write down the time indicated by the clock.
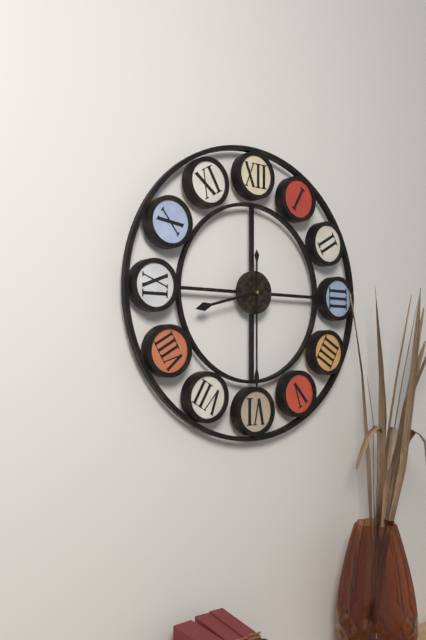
8:30
